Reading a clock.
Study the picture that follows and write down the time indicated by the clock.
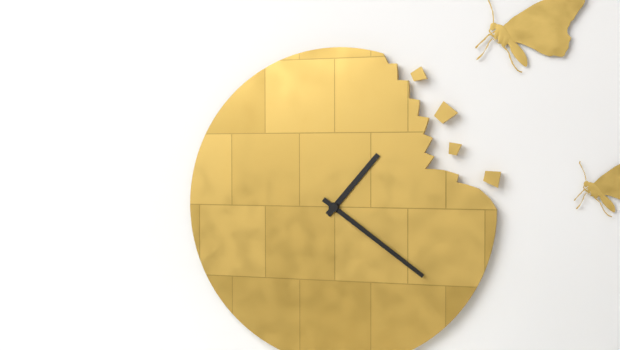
1:21
